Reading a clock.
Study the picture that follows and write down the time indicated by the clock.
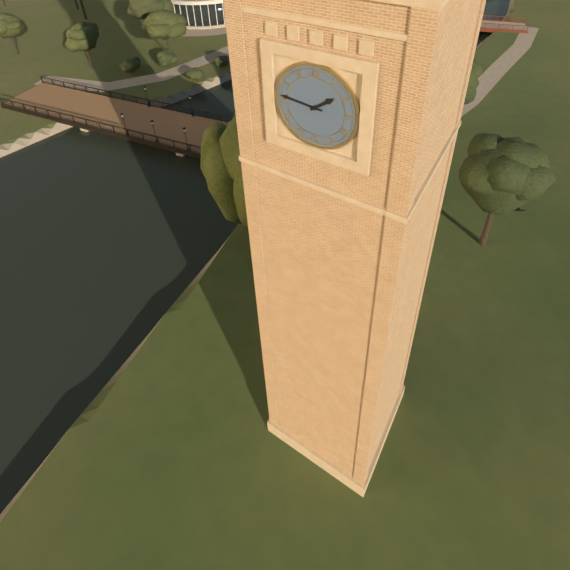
1:46
